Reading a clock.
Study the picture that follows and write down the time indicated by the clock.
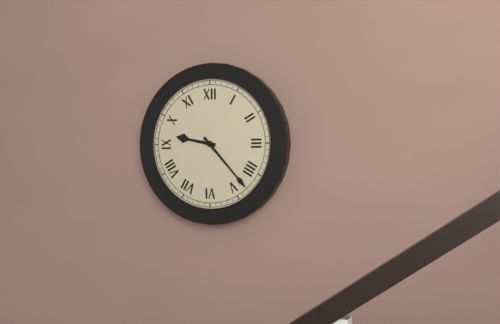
9:23
